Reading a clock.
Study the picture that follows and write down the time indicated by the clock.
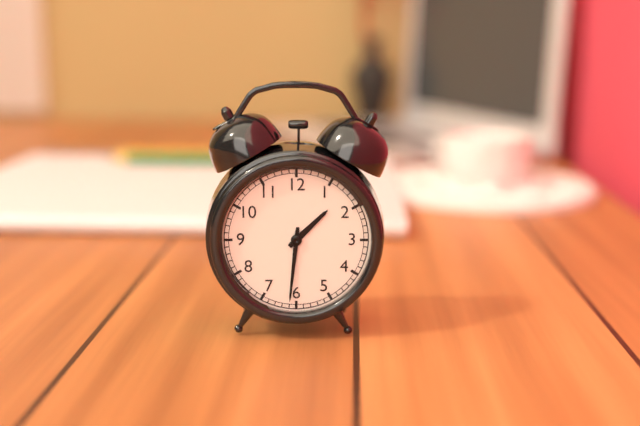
1:31
